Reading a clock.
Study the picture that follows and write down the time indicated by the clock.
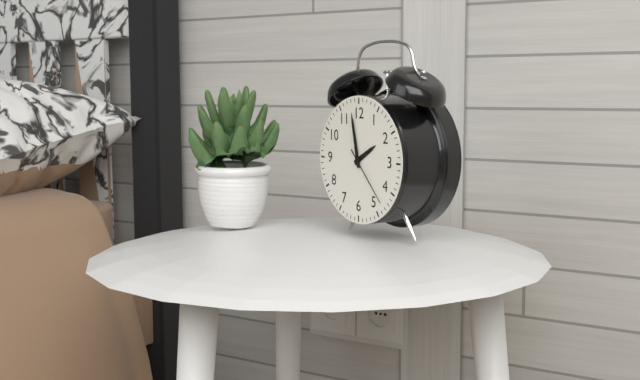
1:58:23
